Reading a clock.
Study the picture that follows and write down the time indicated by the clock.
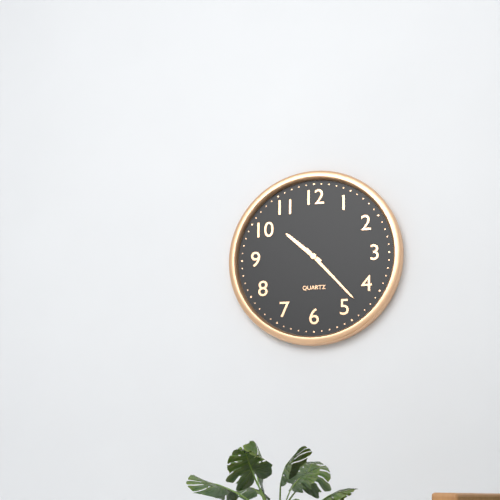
10:23
